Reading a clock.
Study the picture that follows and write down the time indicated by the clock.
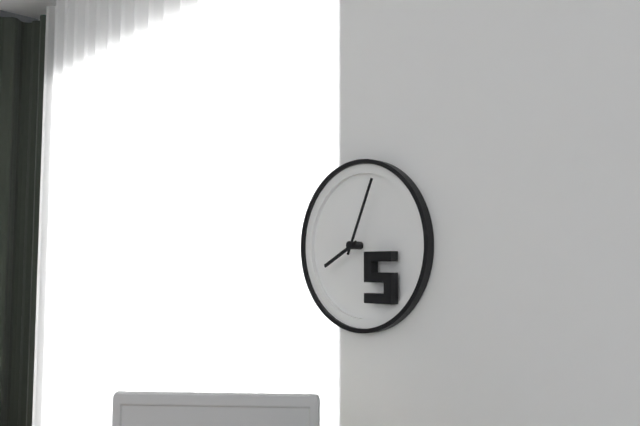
8:04
